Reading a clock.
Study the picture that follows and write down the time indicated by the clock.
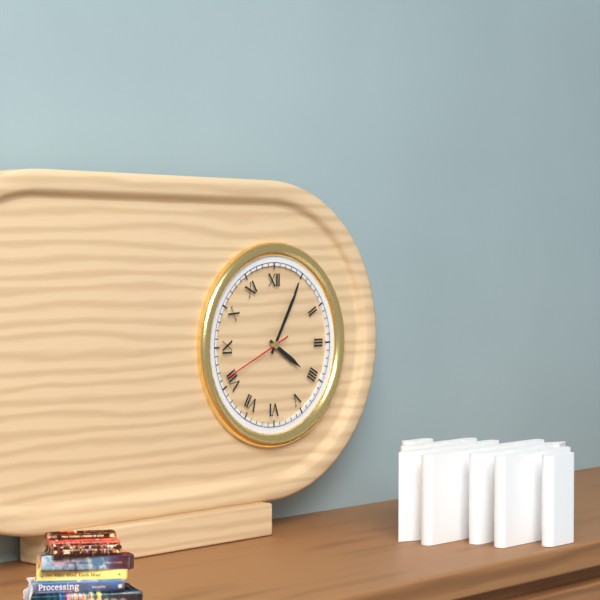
4:05
